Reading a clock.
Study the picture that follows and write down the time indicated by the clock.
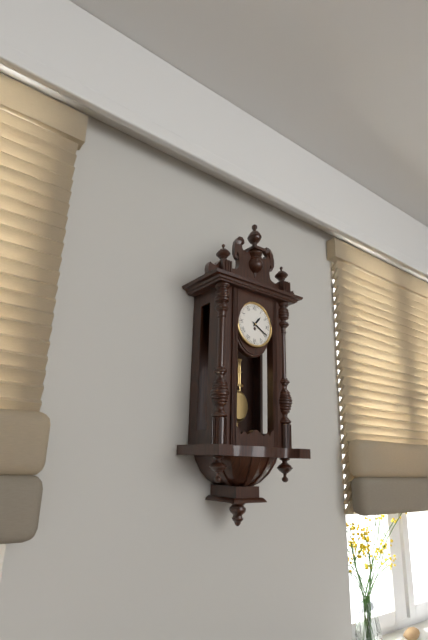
1:20
